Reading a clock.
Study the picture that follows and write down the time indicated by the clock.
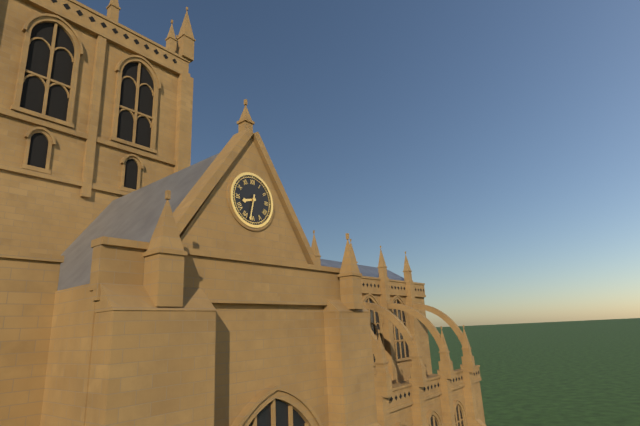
8:32
